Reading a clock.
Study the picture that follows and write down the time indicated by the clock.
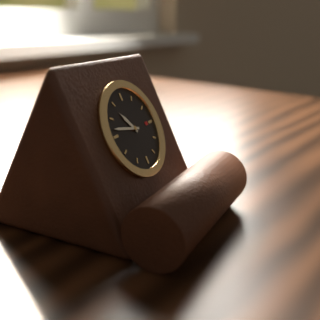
10:47
